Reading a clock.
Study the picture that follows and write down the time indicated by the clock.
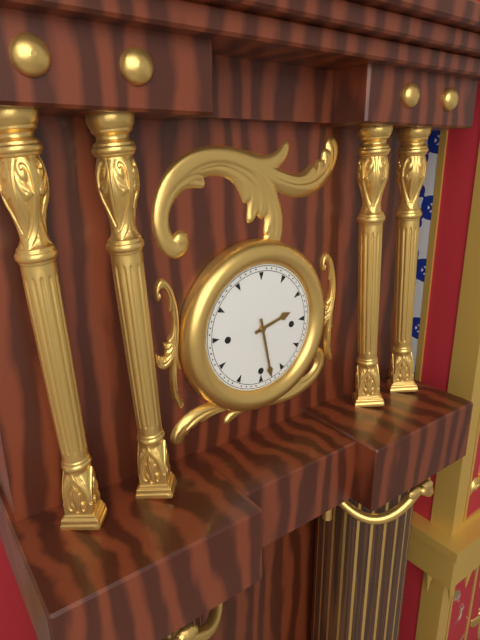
2:28
